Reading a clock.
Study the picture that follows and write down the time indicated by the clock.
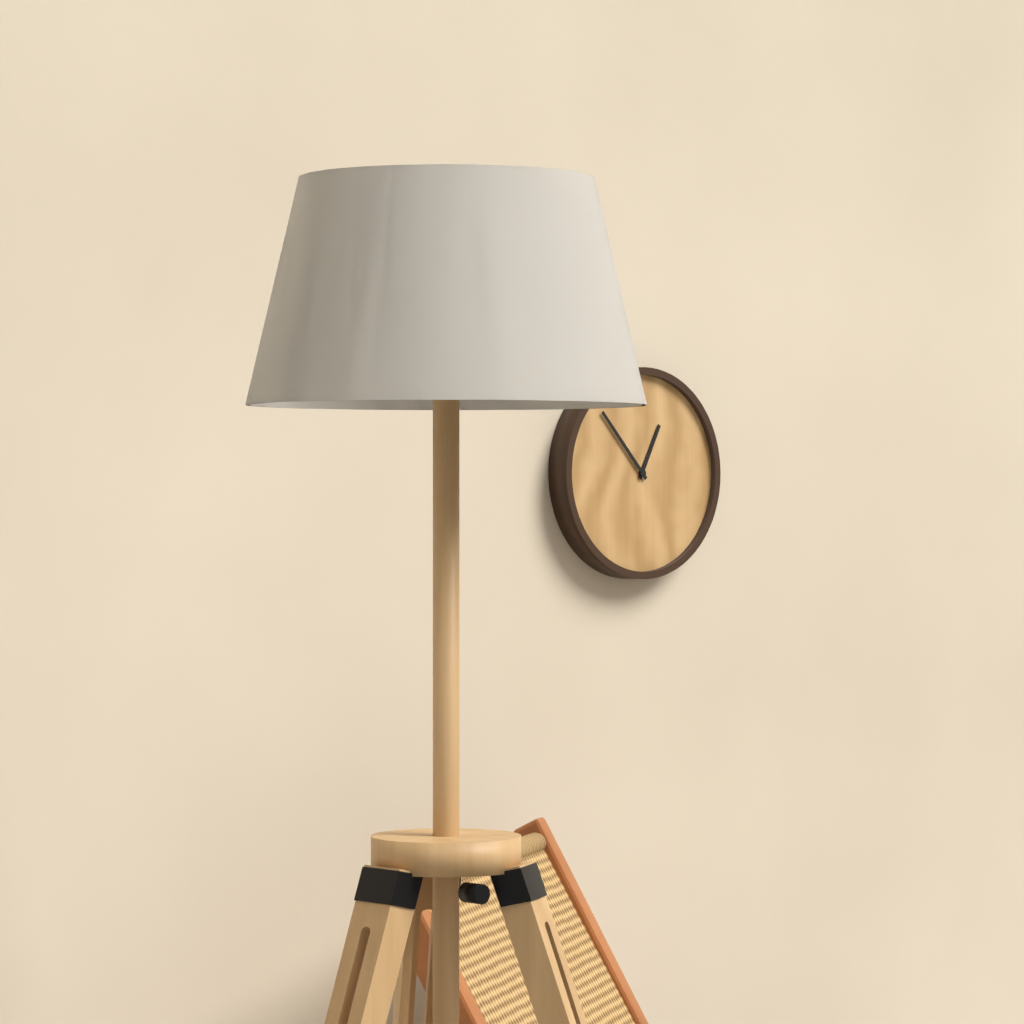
12:53
